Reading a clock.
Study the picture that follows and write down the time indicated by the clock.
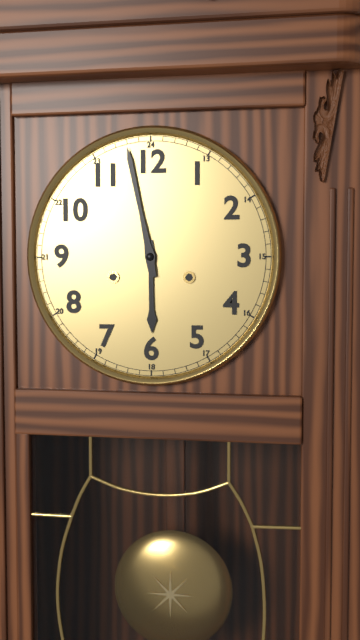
5:58
